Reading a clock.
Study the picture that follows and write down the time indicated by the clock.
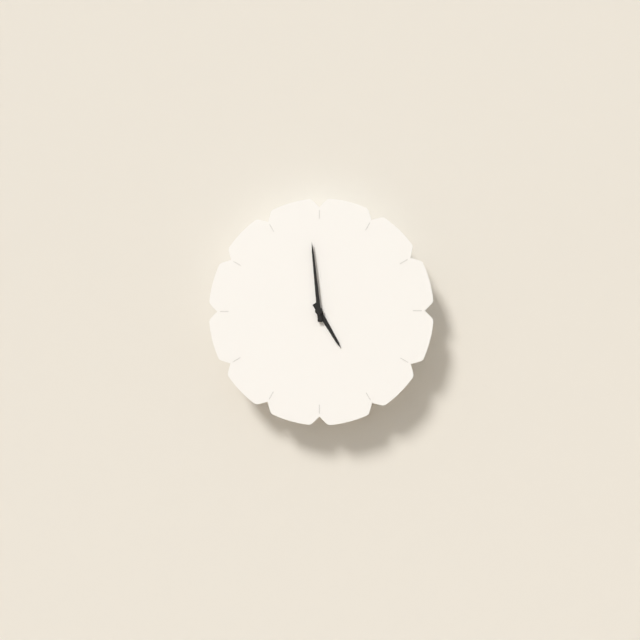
4:59
